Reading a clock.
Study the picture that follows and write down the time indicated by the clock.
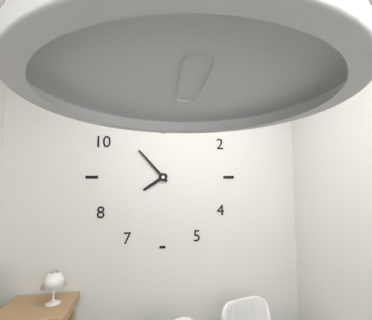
7:53
